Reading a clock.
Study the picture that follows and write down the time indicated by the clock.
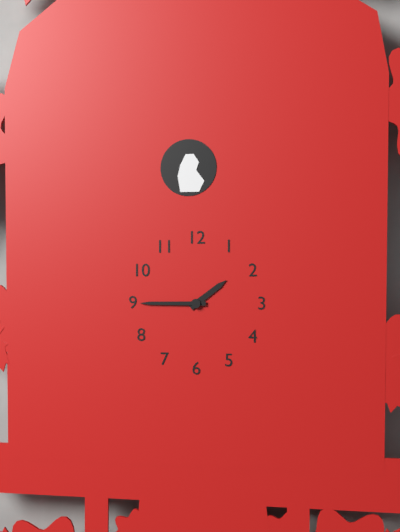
1:45
